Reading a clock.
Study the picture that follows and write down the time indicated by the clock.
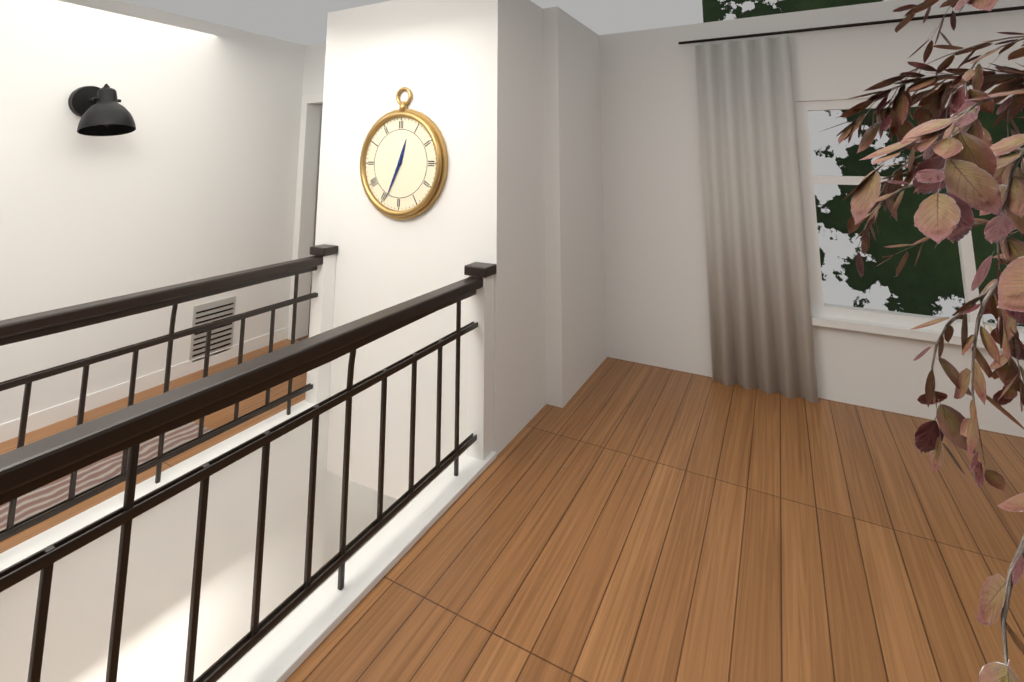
12:34
